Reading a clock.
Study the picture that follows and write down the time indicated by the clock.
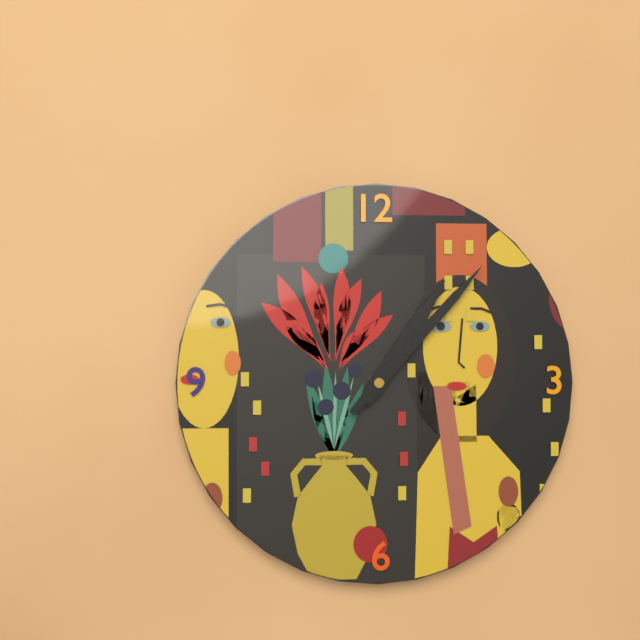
1:07
